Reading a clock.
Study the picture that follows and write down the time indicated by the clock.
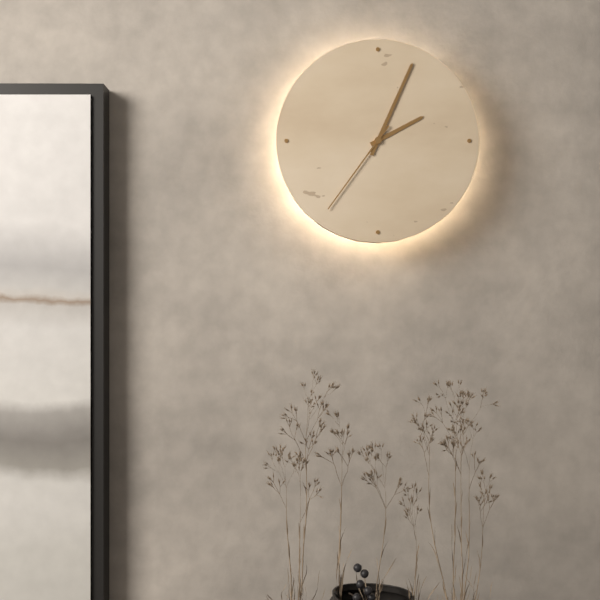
2:04:36
